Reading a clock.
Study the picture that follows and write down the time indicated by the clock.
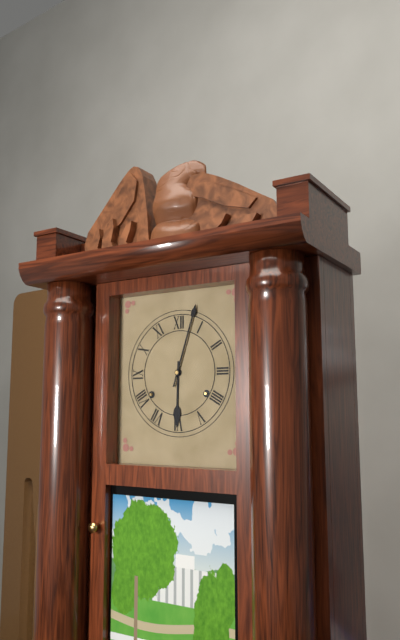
6:03
